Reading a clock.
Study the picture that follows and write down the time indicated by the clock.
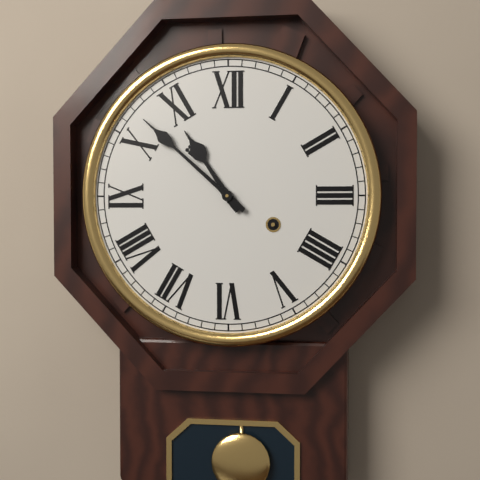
10:52
